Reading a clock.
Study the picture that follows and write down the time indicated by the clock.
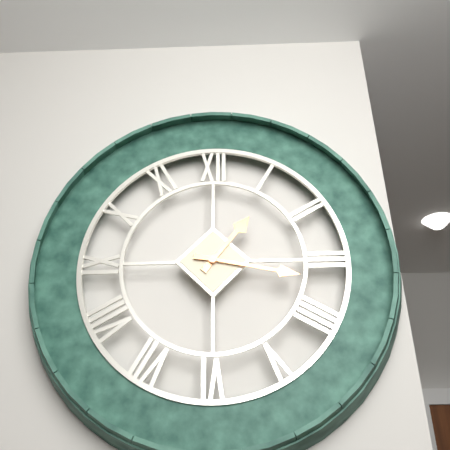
1:17
